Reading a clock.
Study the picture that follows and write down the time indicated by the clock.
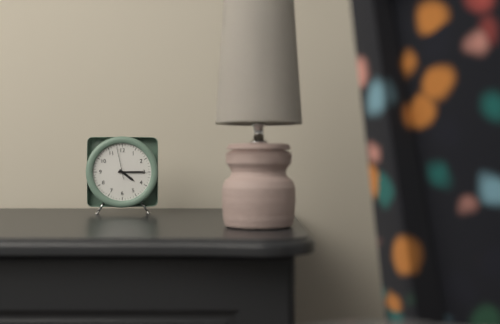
4:15
